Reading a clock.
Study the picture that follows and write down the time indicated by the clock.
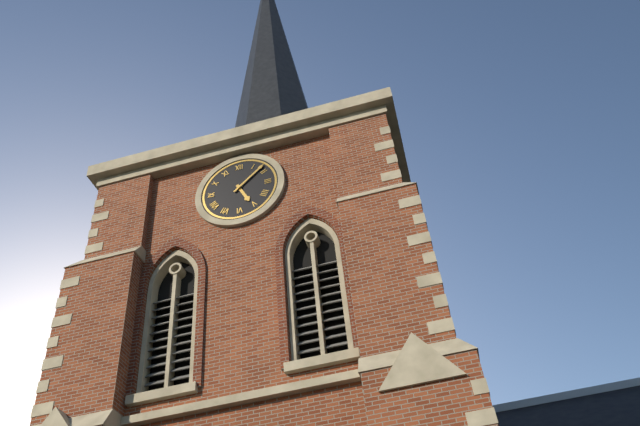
5:08
